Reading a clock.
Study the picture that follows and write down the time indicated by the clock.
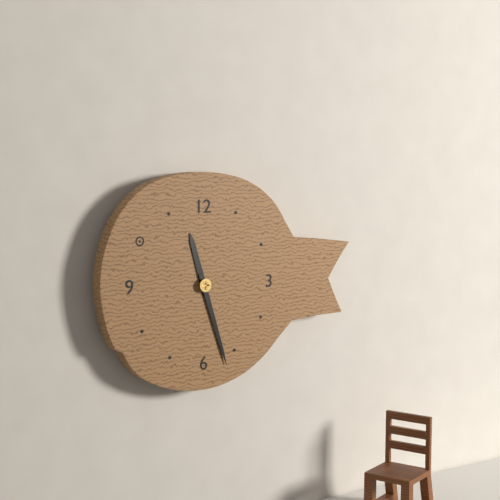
11:27
